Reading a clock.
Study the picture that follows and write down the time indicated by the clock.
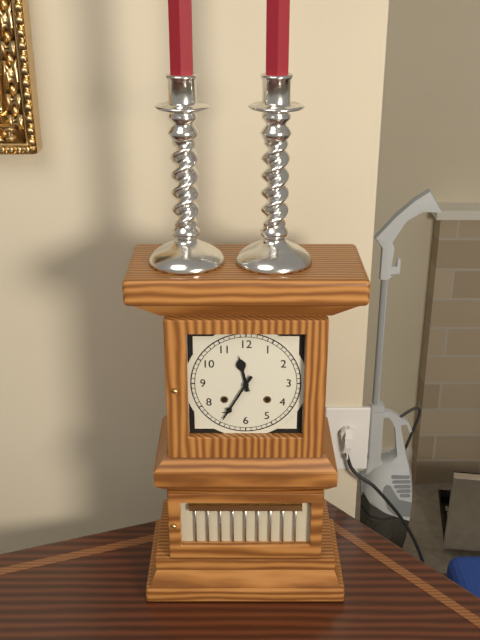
11:35
